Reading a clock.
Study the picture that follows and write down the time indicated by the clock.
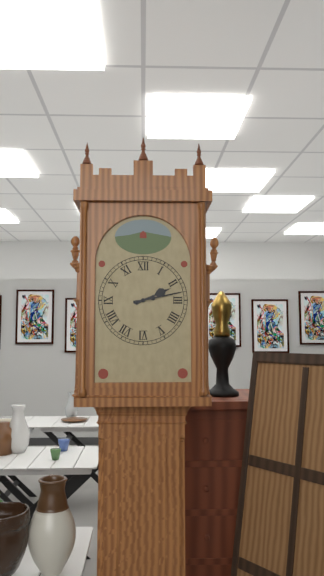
2:13
